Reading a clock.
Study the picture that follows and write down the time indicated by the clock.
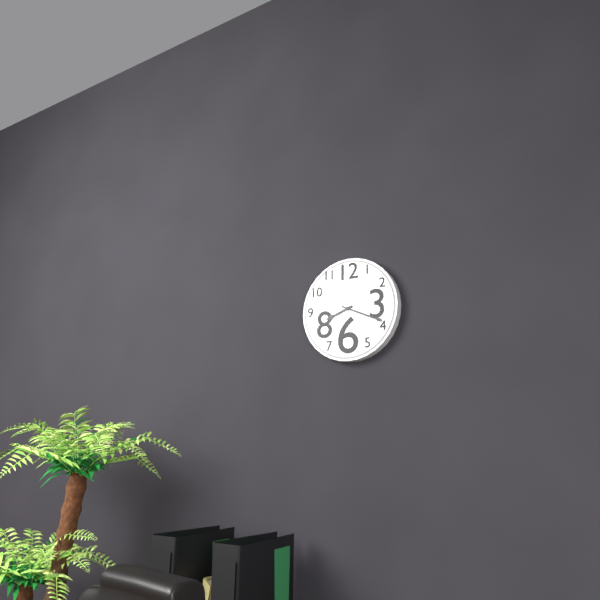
8:19
